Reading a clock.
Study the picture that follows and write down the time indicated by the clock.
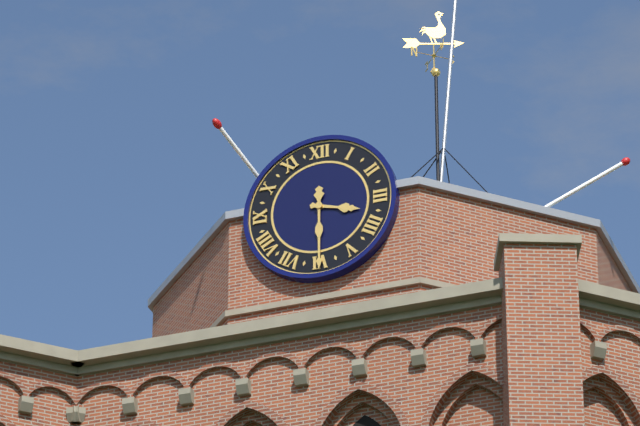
3:30
